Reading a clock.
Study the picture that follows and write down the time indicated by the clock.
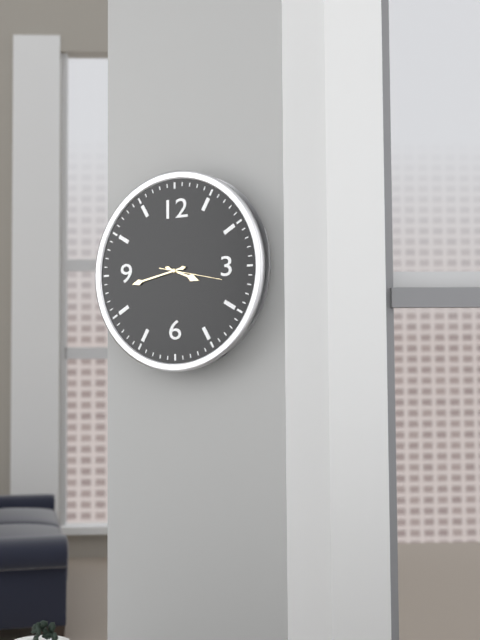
3:43:17
